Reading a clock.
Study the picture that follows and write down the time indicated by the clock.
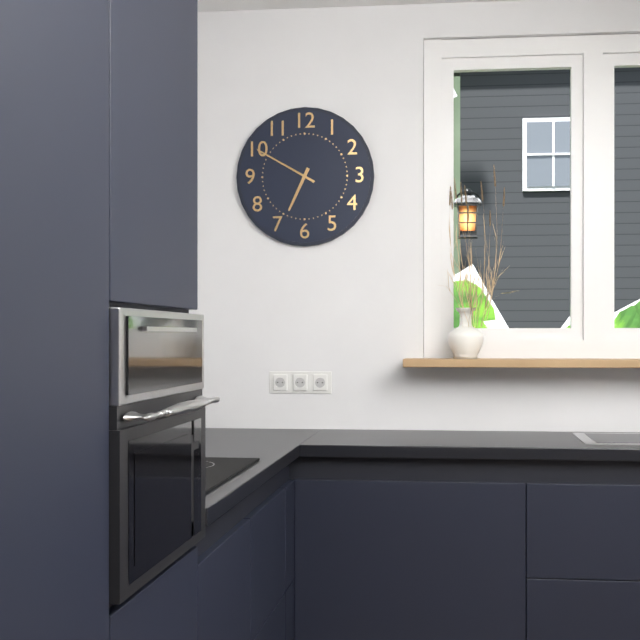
6:50
